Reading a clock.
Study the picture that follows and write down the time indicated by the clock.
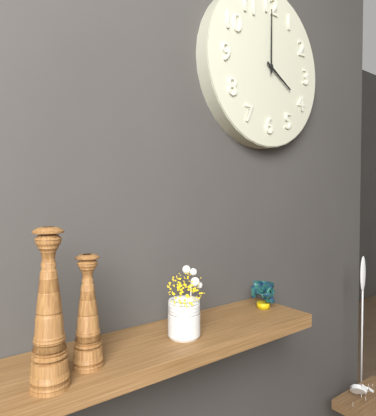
4:00
